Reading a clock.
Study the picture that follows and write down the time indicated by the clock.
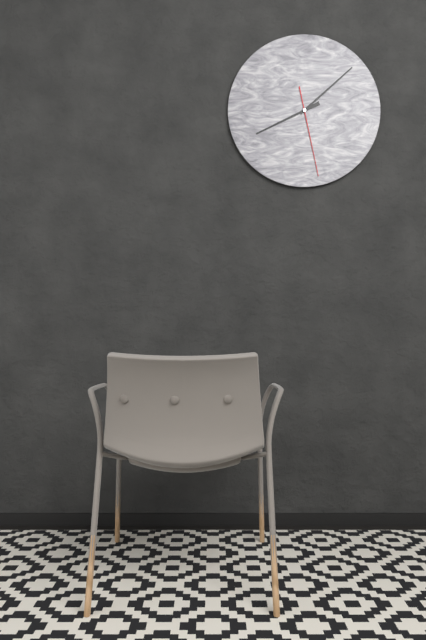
8:08:28
